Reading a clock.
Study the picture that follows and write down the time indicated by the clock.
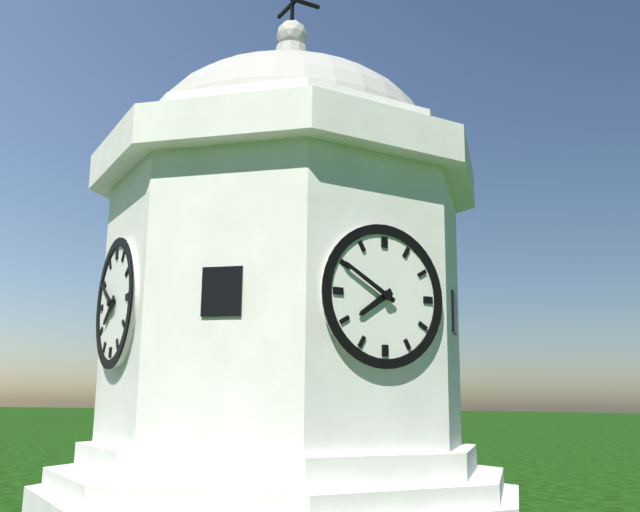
7:50
